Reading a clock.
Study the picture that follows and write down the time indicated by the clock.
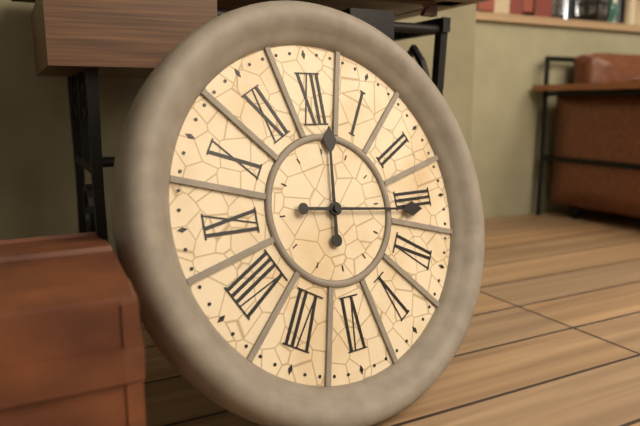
12:16
